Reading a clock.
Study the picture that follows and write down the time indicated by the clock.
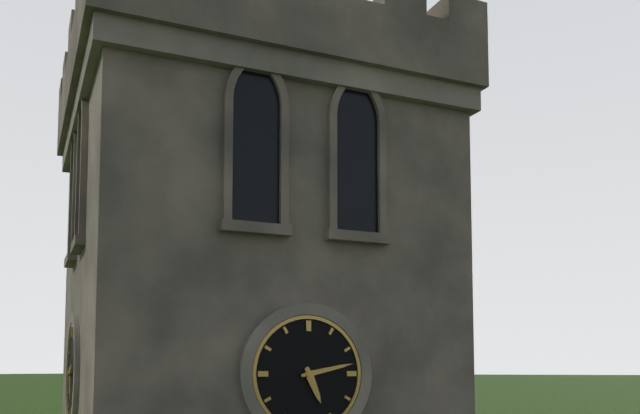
5:13
